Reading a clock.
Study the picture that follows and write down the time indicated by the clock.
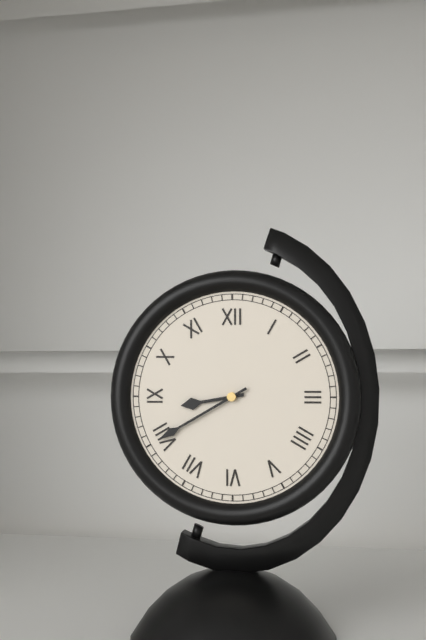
8:40
